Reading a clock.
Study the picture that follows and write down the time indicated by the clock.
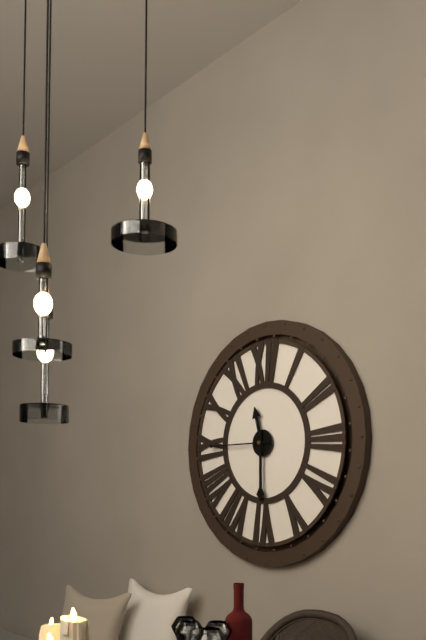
11:30:45
